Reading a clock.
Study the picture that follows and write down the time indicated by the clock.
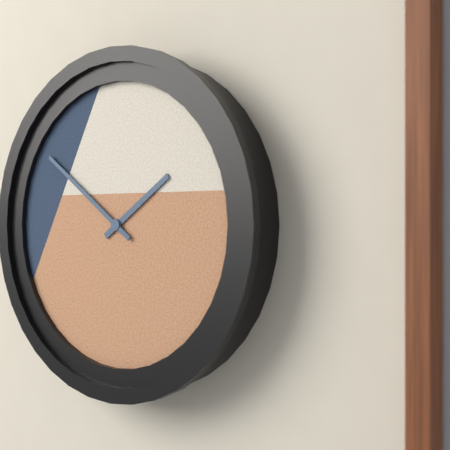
1:51
